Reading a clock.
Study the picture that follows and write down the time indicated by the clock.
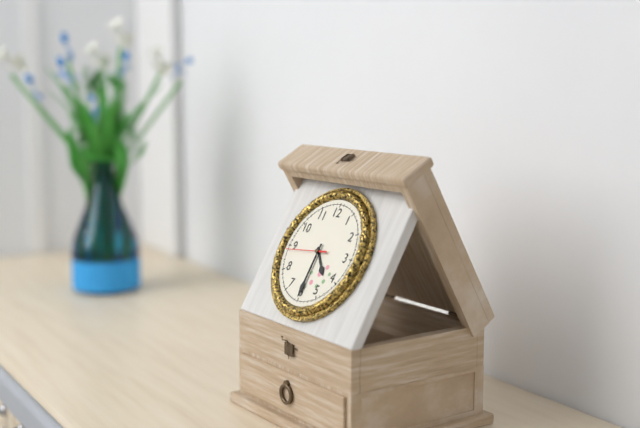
4:30
